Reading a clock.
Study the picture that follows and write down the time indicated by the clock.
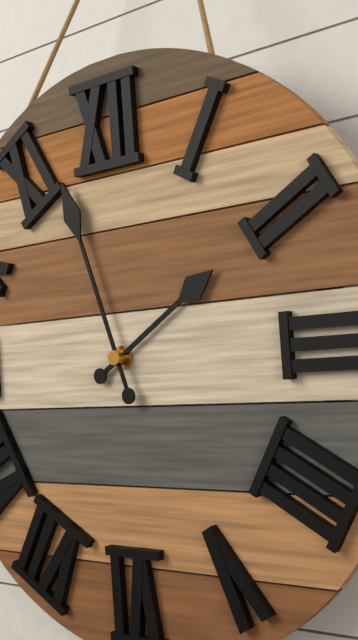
1:57
